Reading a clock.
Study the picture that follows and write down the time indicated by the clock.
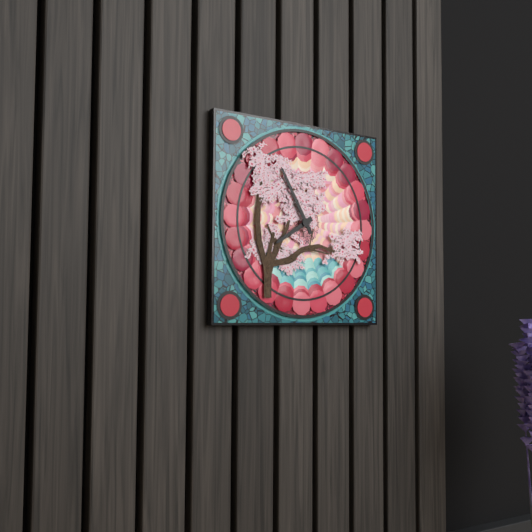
7:55
